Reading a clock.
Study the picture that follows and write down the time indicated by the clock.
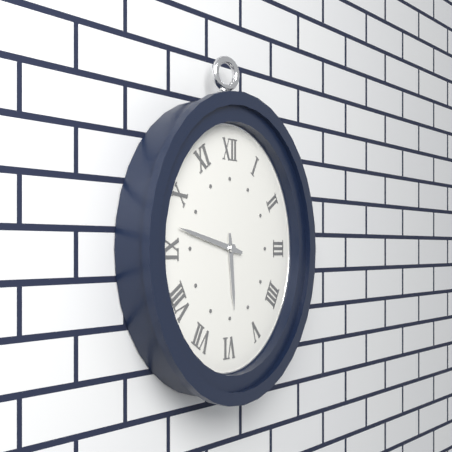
5:47
